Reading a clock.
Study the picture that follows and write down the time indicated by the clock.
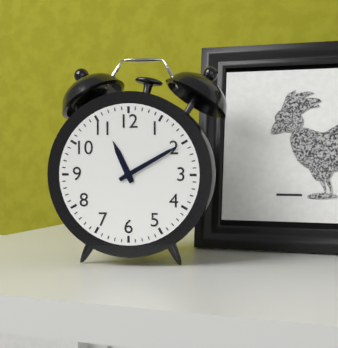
11:10
